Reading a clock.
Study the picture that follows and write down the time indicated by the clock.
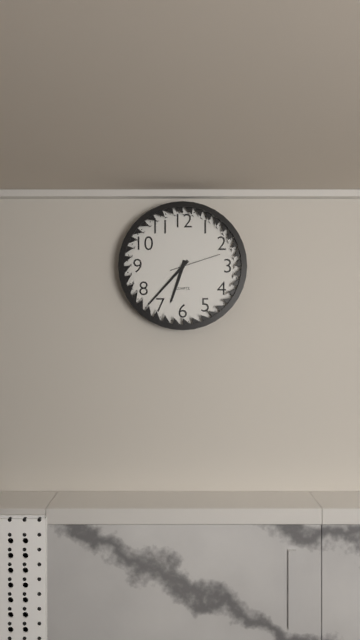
6:37
